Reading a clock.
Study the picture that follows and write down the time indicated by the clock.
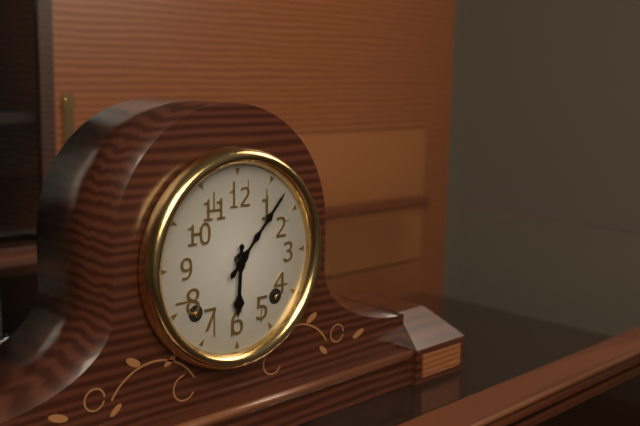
6:07
